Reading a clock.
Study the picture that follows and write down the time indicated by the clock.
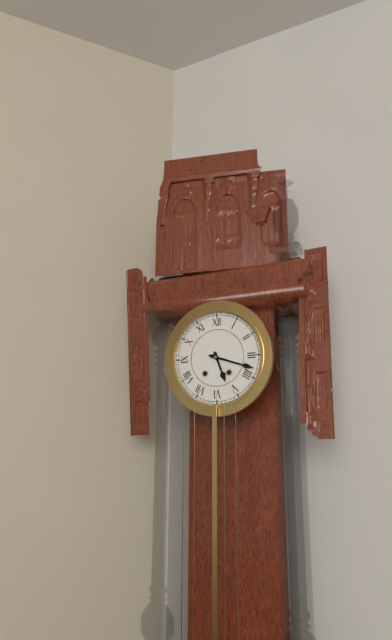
5:18
